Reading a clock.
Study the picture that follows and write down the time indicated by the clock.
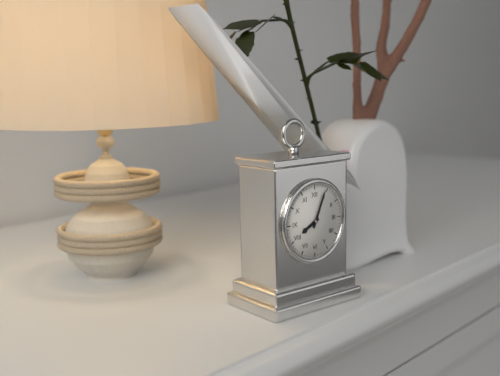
8:04
